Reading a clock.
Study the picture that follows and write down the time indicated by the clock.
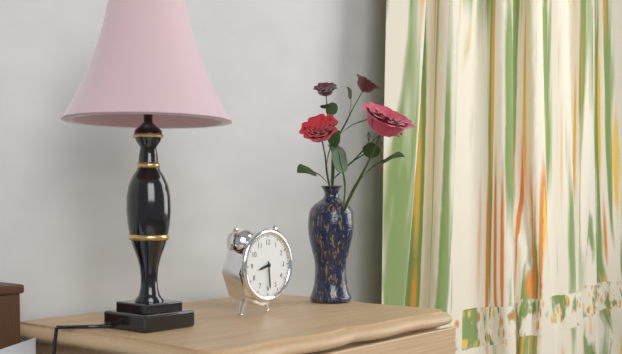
8:29
